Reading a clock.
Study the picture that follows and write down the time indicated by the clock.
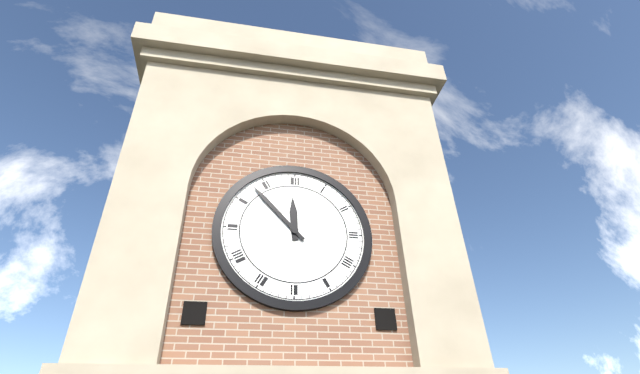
11:53
